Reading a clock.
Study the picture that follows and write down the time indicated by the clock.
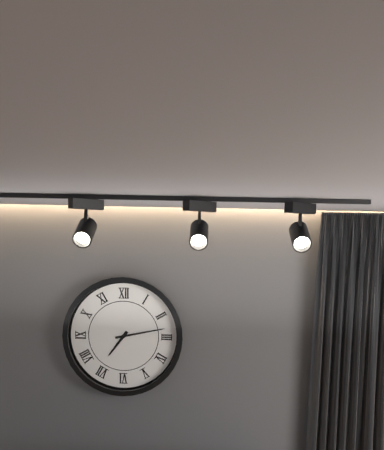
7:13
